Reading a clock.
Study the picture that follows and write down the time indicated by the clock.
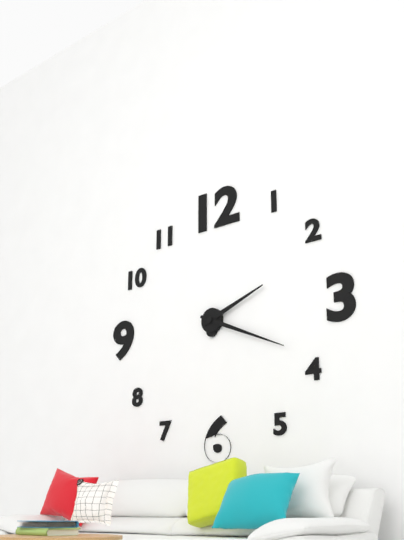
2:19
